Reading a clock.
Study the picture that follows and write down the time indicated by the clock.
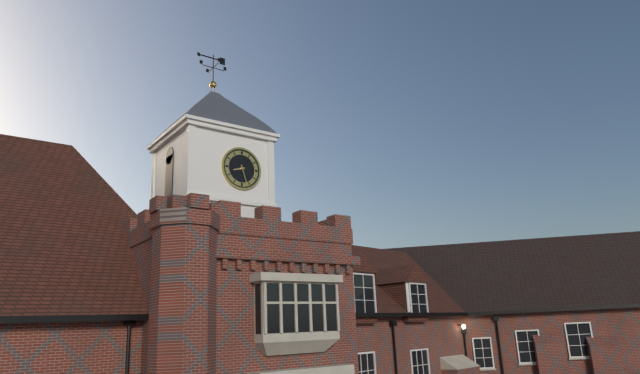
8:27
